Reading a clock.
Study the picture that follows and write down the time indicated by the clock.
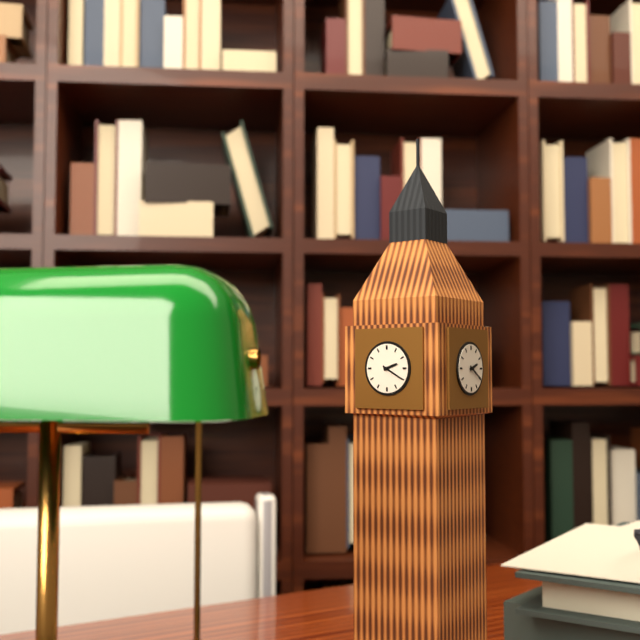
2:20
